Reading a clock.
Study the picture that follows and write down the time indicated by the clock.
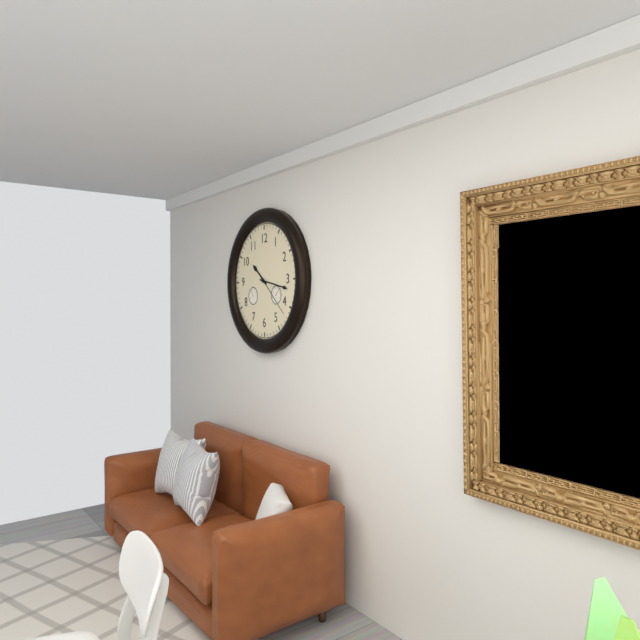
10:17
